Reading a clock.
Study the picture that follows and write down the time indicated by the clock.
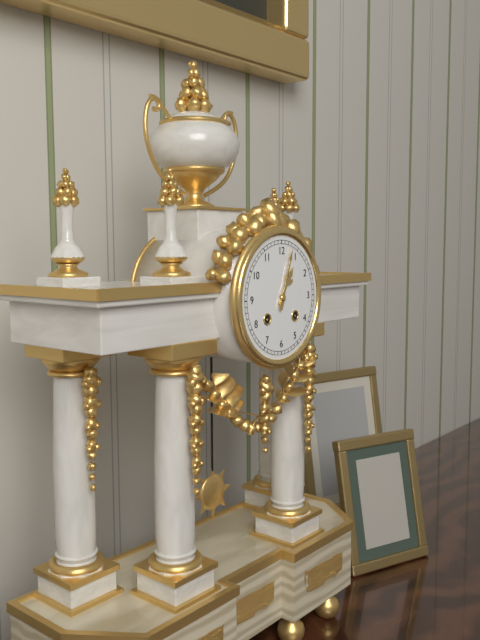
1:03
